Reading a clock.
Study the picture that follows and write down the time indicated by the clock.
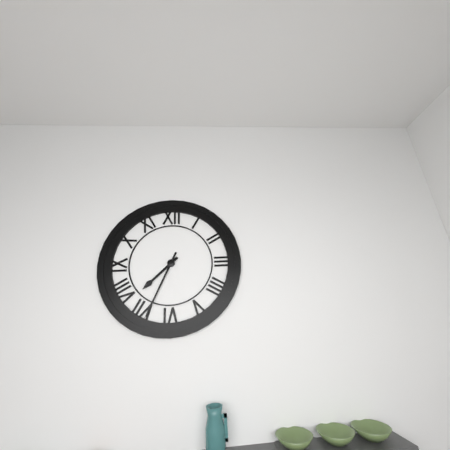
7:34
